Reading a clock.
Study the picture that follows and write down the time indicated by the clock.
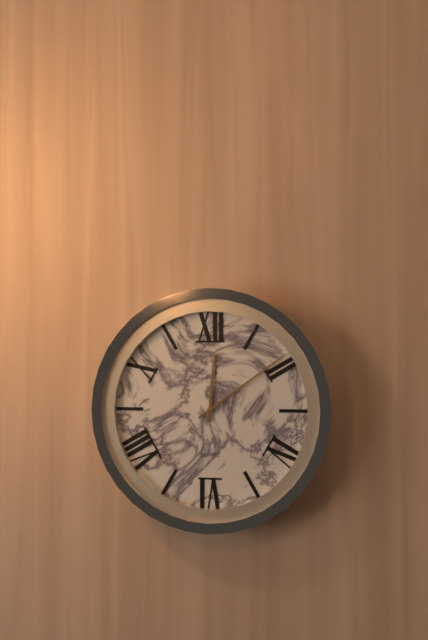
12:09
